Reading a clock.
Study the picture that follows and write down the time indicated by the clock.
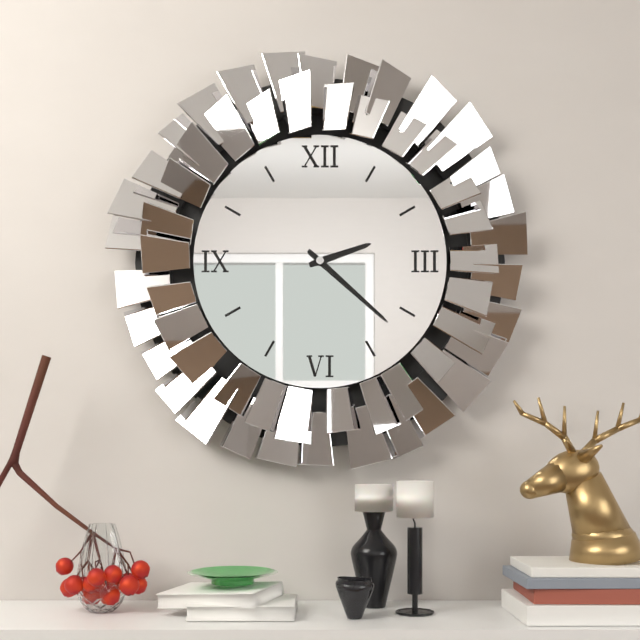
2:22
